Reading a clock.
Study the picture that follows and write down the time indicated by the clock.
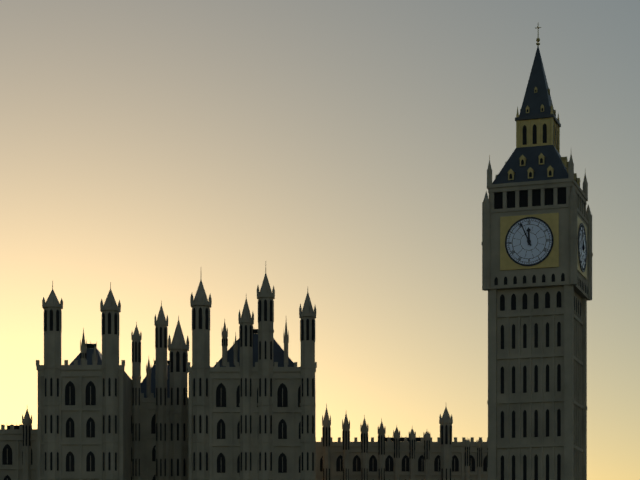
11:56
